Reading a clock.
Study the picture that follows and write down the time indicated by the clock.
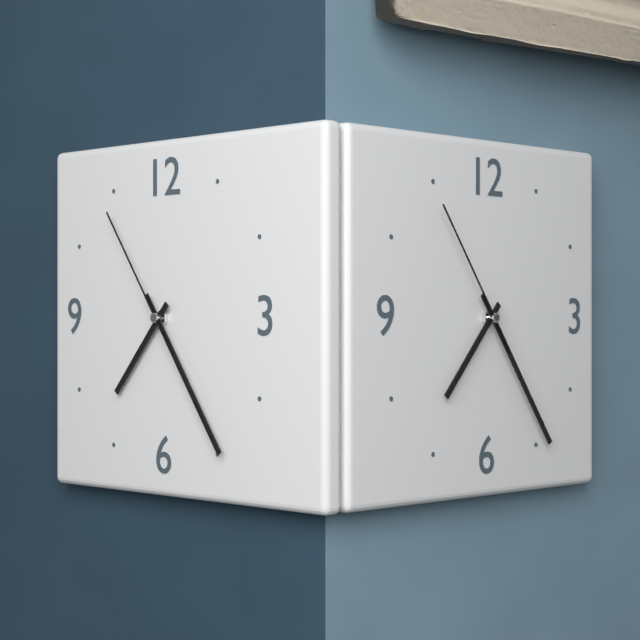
7:24:54
